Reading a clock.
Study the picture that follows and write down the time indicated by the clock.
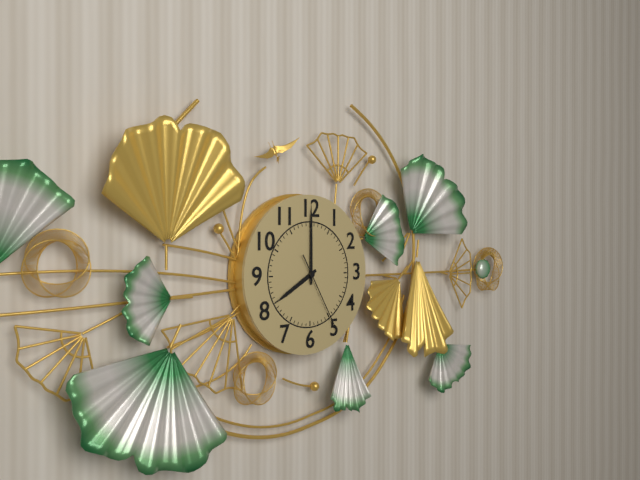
8:00:25
